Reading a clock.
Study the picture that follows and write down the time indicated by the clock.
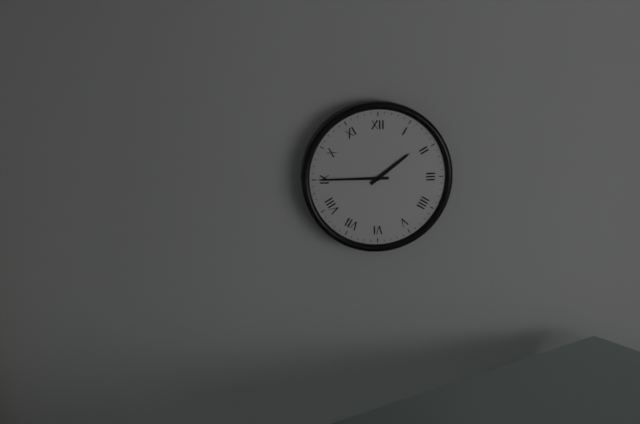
1:45
